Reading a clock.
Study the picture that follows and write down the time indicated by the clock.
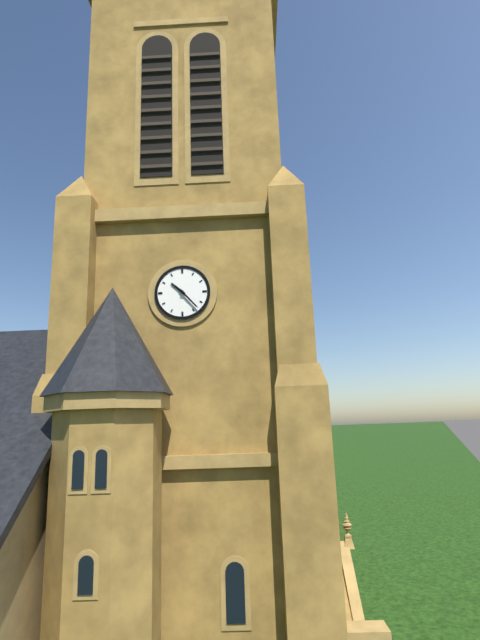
10:23
